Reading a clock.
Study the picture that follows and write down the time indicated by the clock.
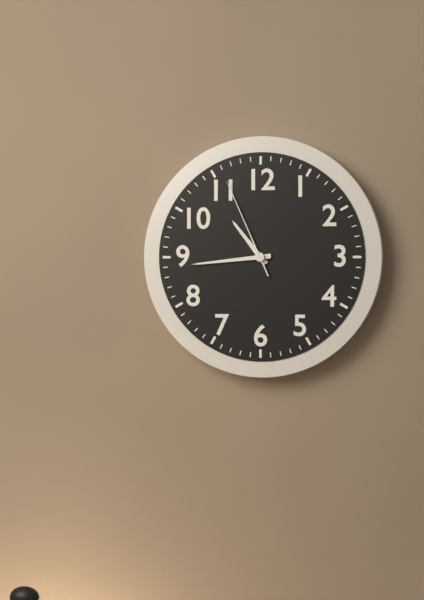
10:44:56
